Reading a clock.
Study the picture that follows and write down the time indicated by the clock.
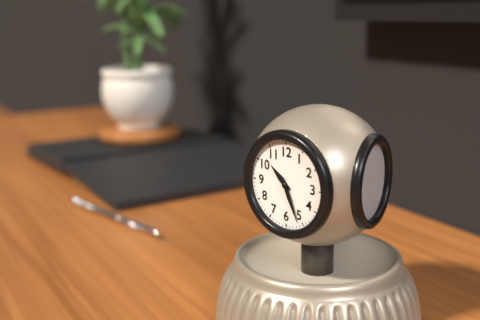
10:26
